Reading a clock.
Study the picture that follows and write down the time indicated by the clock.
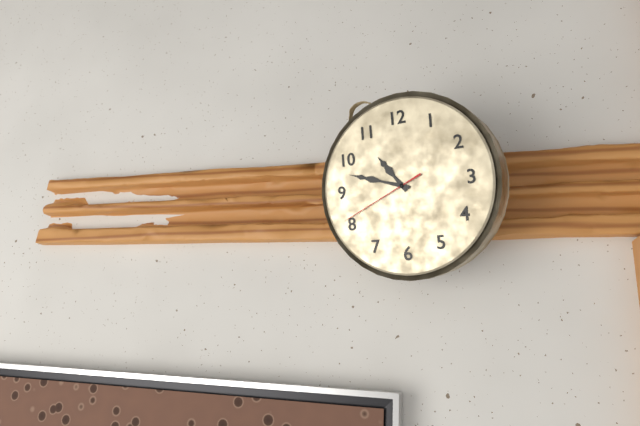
10:48:41
